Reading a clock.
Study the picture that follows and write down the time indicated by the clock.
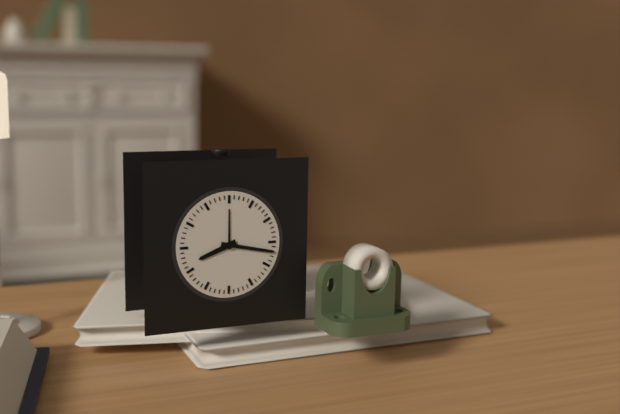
8:17
